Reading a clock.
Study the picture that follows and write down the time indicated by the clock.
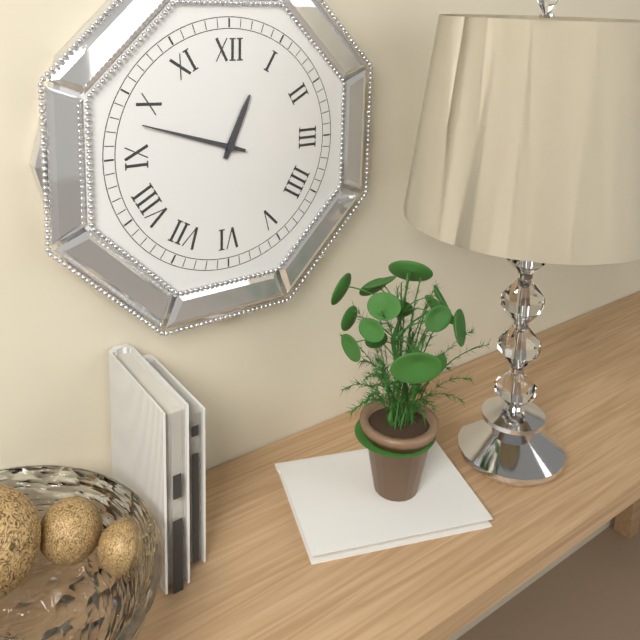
12:48
